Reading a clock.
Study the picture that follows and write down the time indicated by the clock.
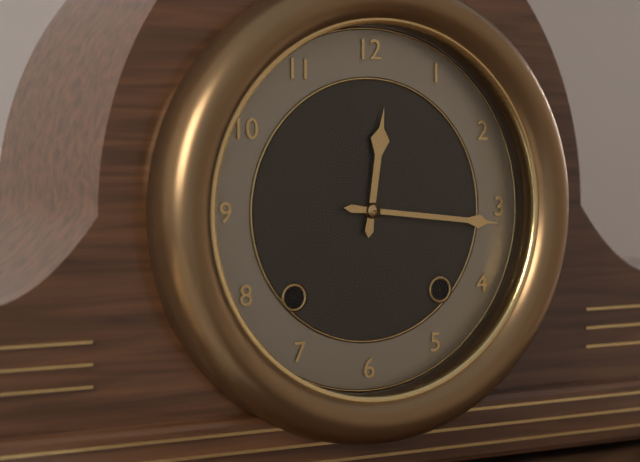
12:16
